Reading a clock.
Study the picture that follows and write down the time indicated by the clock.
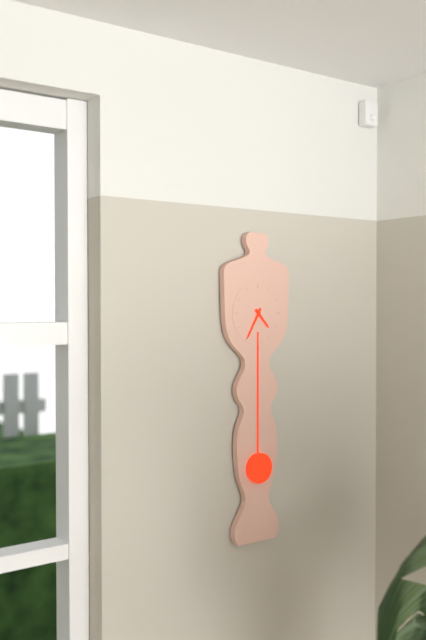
4:35
